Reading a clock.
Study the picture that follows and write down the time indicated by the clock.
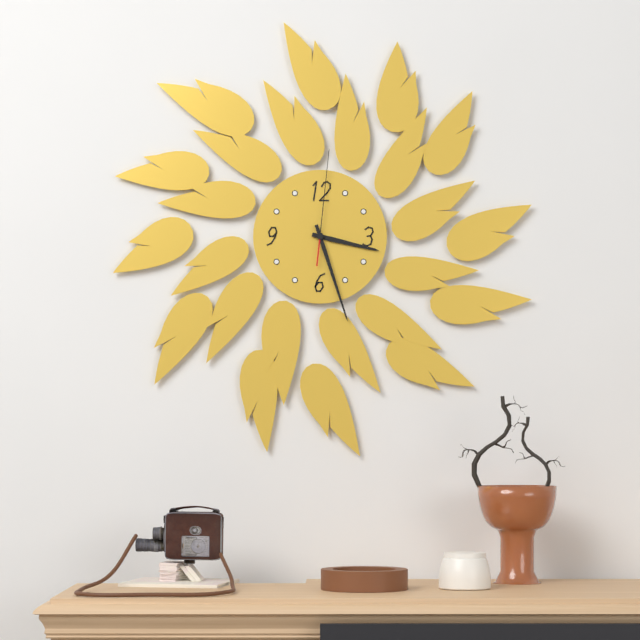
3:27:01
